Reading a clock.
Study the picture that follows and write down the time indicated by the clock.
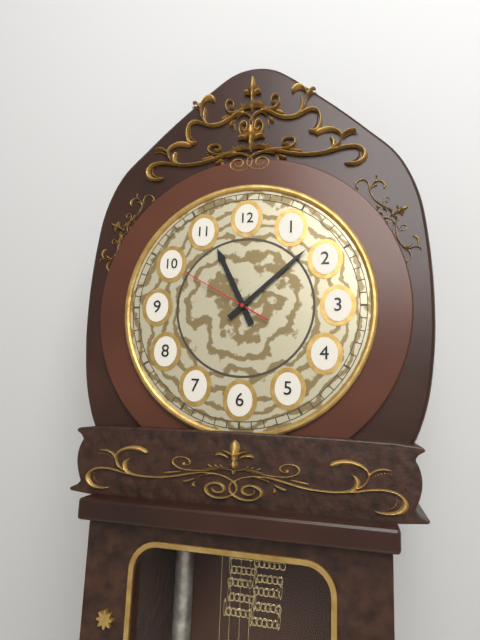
11:08:50
